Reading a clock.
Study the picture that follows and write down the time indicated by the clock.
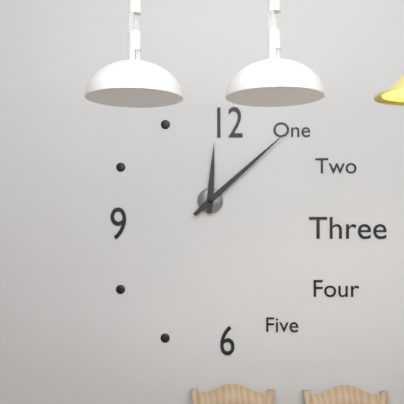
12:08
